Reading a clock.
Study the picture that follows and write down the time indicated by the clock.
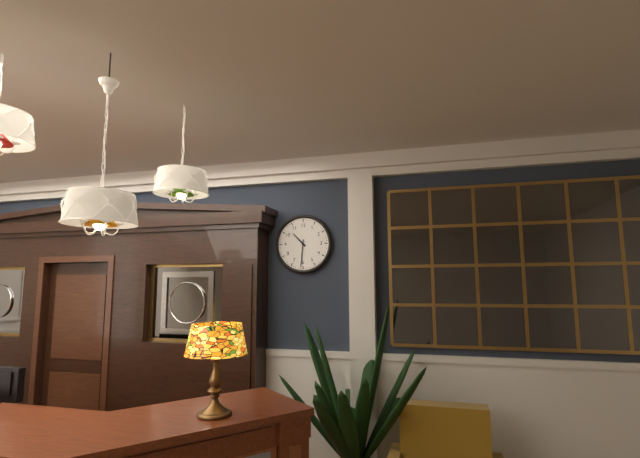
10:31
